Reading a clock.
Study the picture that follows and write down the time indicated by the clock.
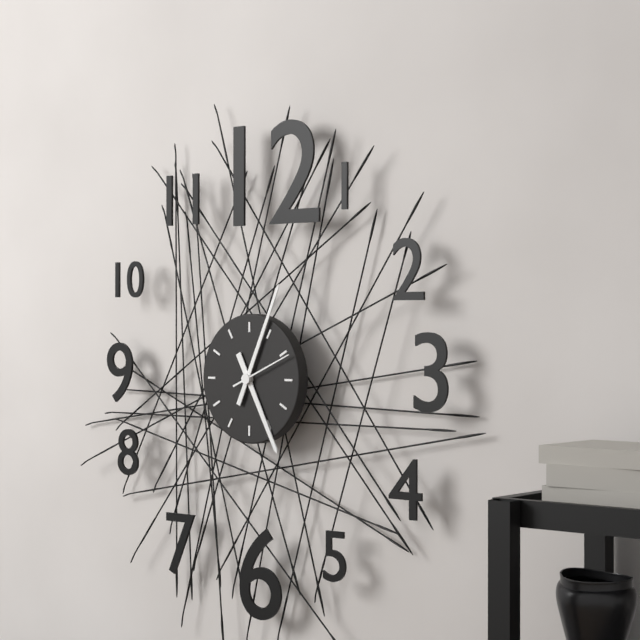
5:04:11
